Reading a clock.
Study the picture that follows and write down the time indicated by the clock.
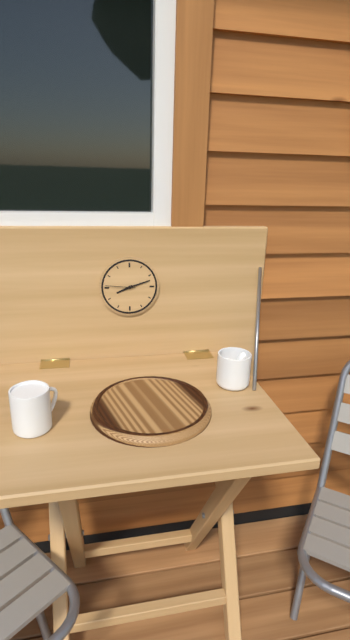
8:12
